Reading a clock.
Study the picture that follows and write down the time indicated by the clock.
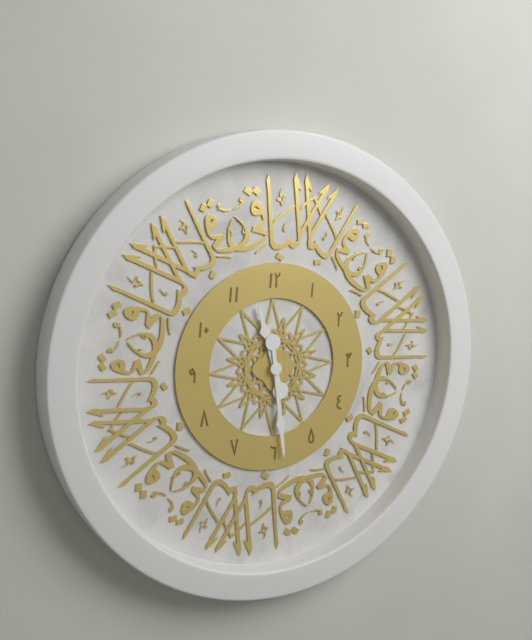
11:29
